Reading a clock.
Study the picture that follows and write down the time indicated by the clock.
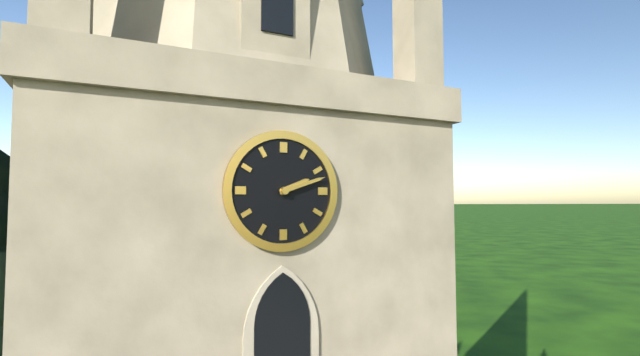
2:12
